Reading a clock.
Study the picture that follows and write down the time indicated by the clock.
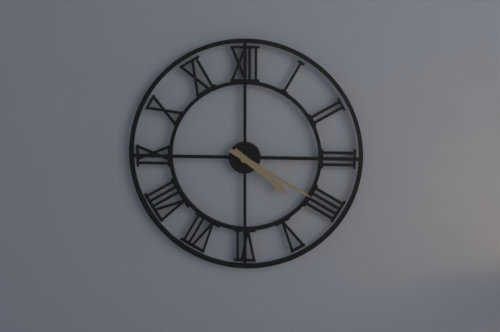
4:20
